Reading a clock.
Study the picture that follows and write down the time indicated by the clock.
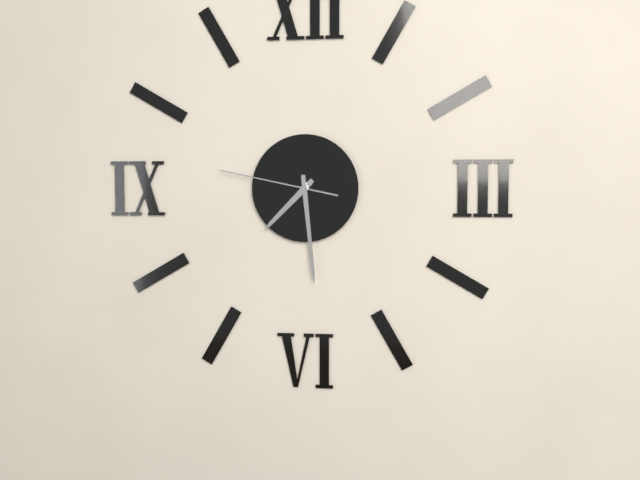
7:29:47
